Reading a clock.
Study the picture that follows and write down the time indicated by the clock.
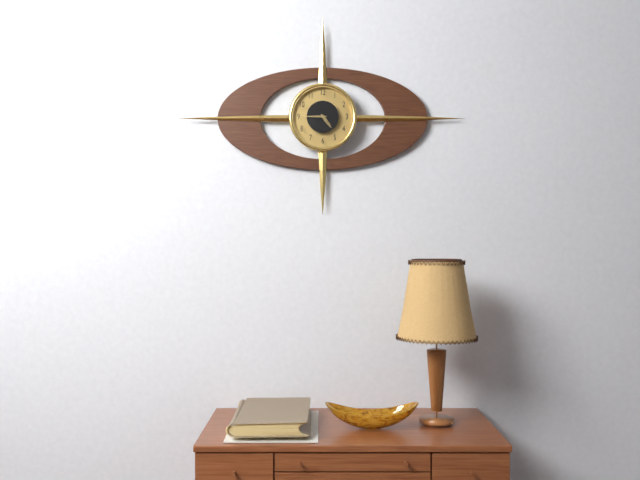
4:45
